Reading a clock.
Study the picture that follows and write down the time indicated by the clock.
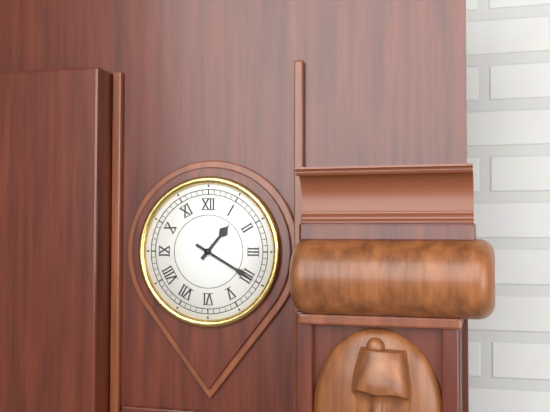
1:20
